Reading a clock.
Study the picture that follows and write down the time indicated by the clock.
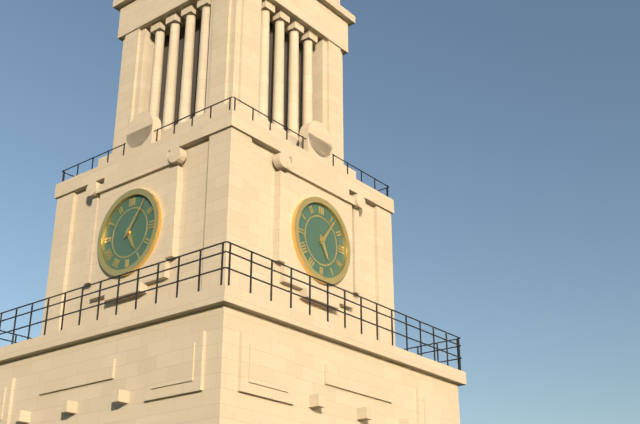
5:06
